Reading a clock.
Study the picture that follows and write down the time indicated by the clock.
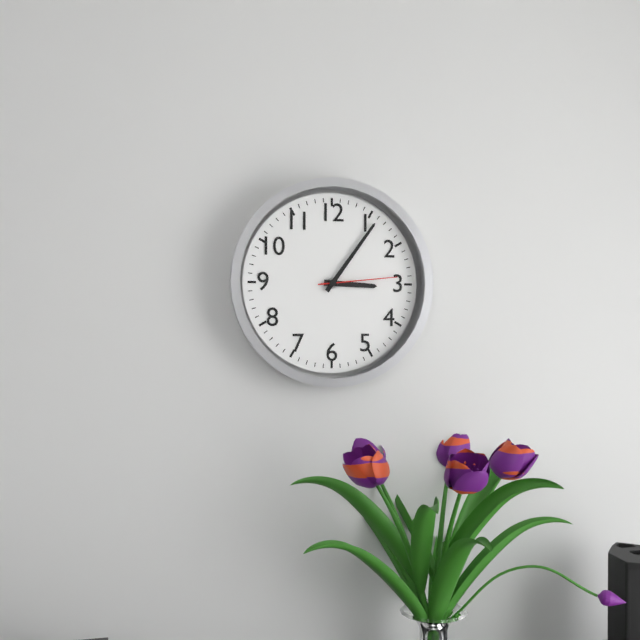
3:06:14
